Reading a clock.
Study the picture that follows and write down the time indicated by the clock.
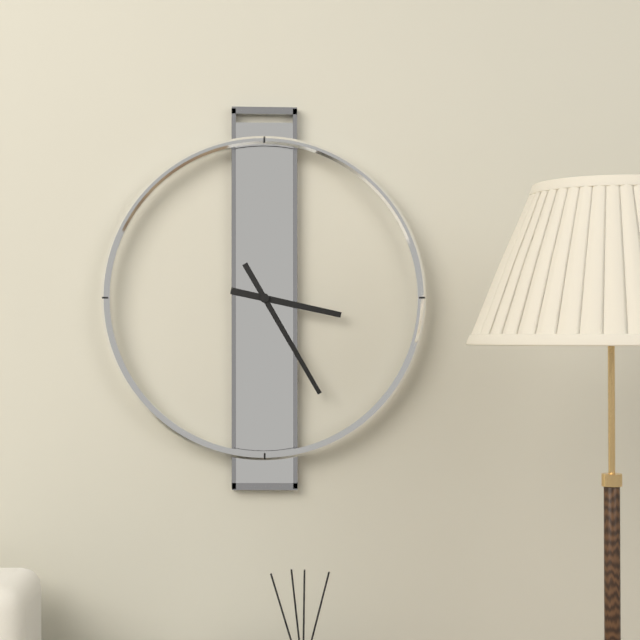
3:25
